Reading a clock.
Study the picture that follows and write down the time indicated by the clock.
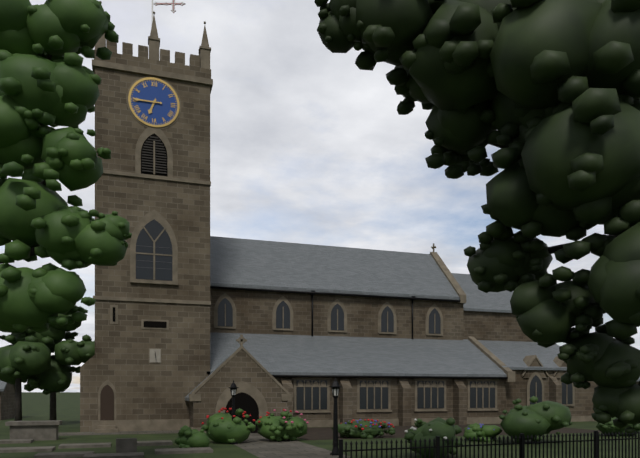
6:45
